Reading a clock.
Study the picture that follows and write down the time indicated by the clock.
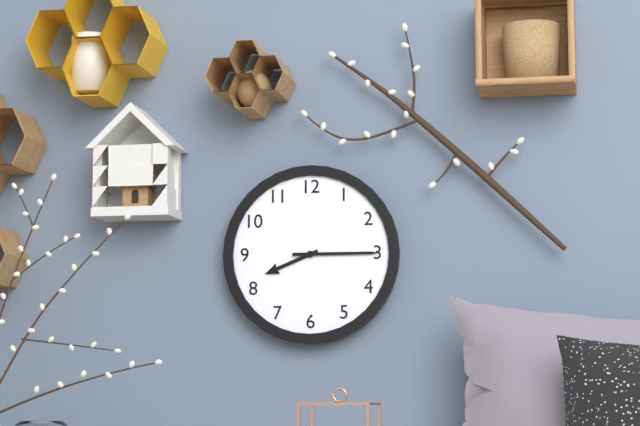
8:15
